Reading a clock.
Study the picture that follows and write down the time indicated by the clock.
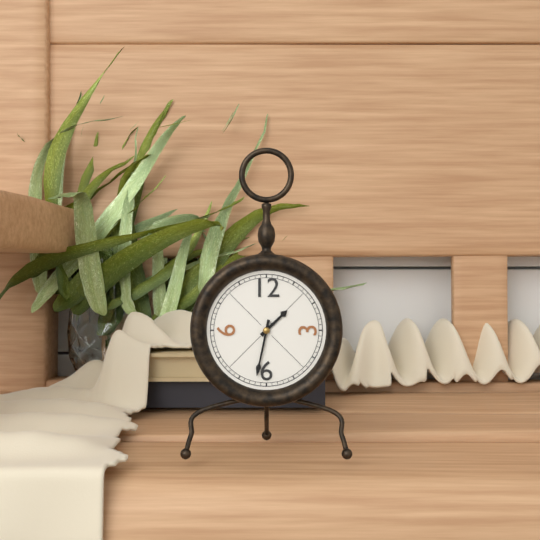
1:32
